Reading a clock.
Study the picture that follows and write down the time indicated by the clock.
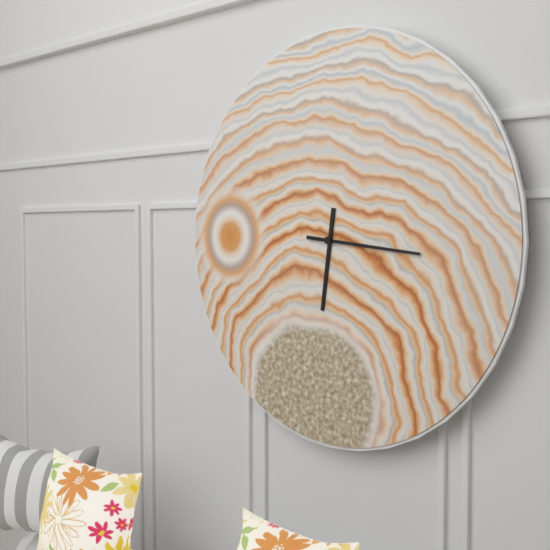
6:16
